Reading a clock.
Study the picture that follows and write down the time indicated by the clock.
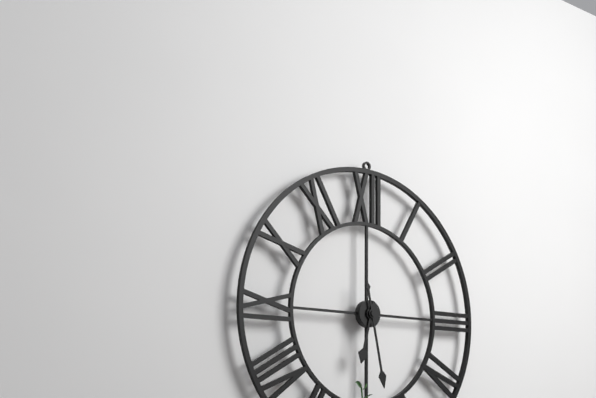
6:28
